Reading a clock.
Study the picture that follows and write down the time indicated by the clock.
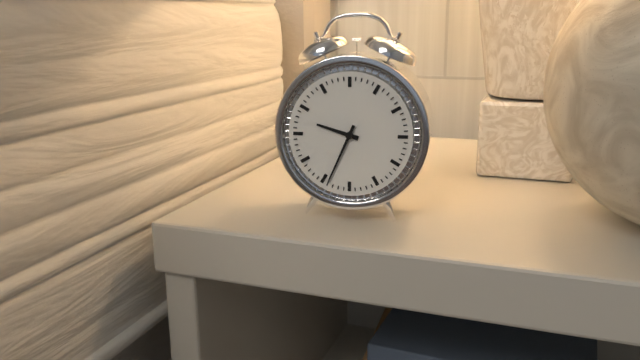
9:34
